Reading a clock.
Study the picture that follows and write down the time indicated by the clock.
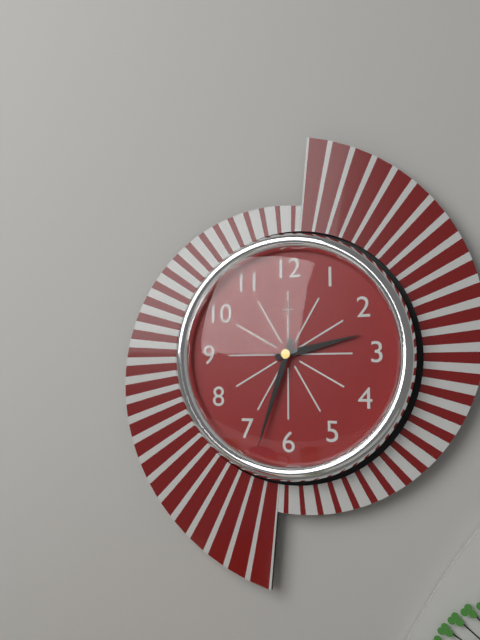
2:33
